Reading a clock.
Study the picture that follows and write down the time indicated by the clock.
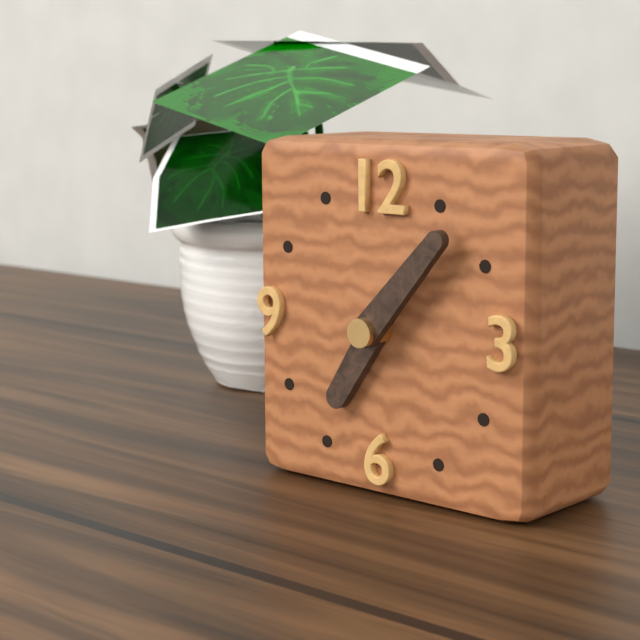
7:07
